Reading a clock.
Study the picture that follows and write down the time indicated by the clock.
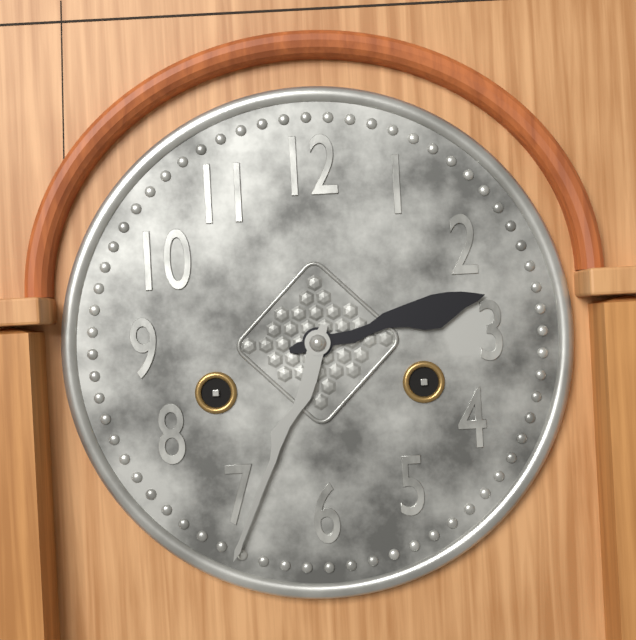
2:34
